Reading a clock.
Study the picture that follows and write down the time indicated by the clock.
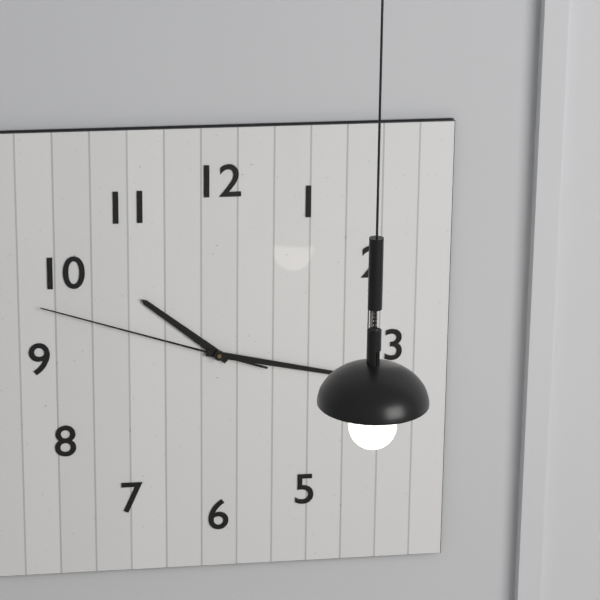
10:17:48
